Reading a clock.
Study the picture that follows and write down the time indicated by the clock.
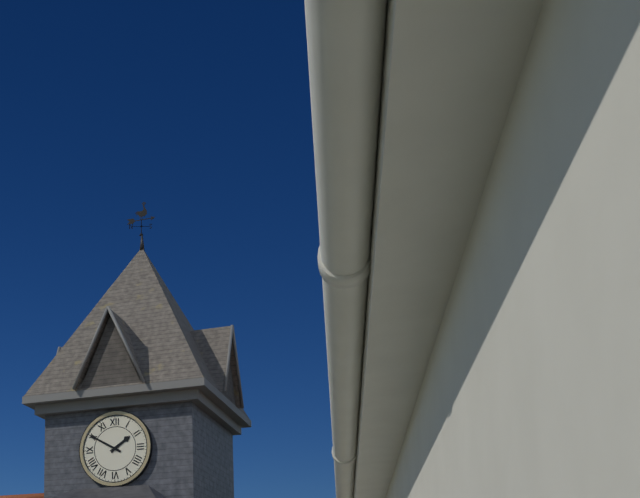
1:50
